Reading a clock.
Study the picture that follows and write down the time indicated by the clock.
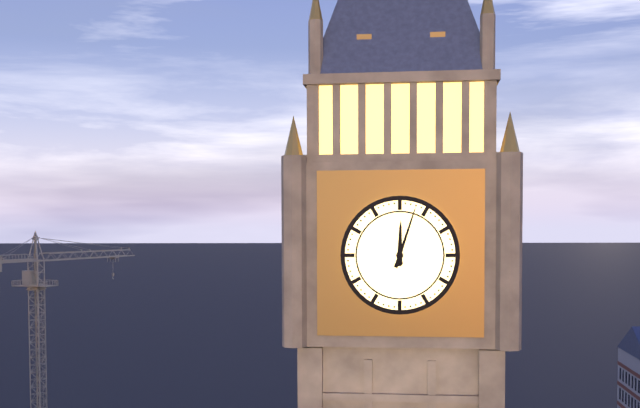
12:03
